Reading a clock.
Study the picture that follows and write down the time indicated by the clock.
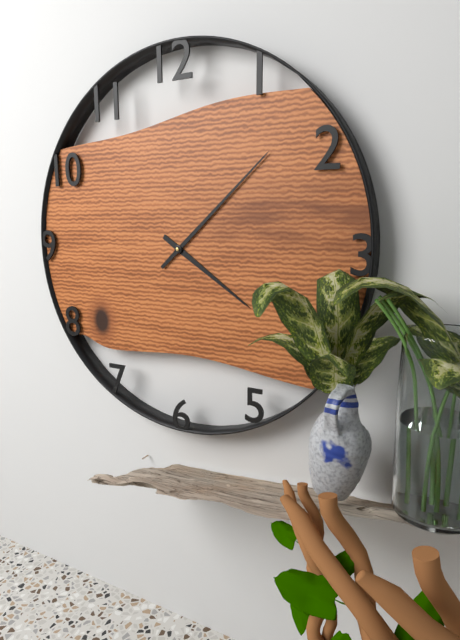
4:08
